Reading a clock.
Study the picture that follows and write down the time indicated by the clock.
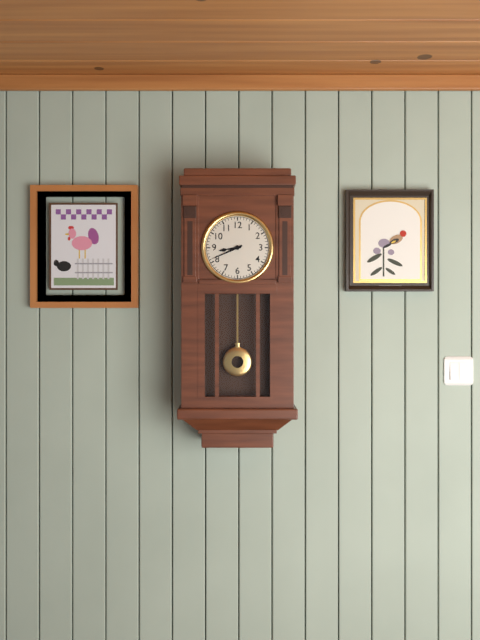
8:41
